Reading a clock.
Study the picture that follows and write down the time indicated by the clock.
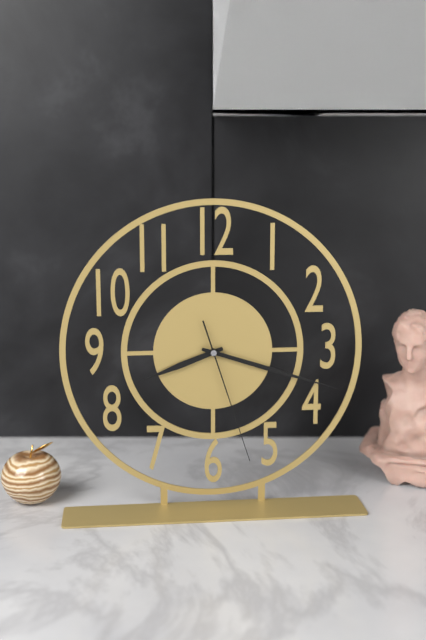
8:18:27
